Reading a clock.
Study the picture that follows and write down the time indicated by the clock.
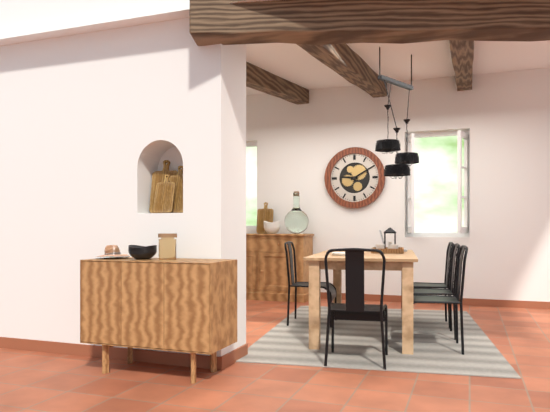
9:10
